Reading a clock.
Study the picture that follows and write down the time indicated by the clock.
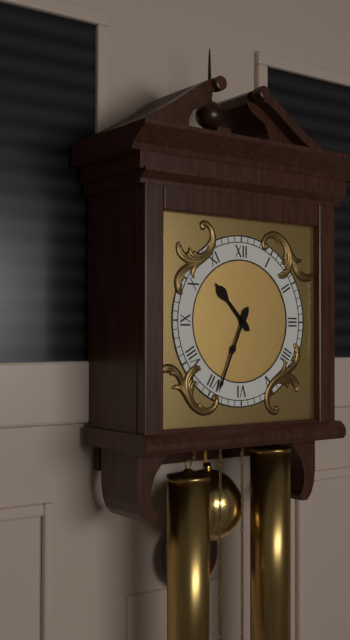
10:34
